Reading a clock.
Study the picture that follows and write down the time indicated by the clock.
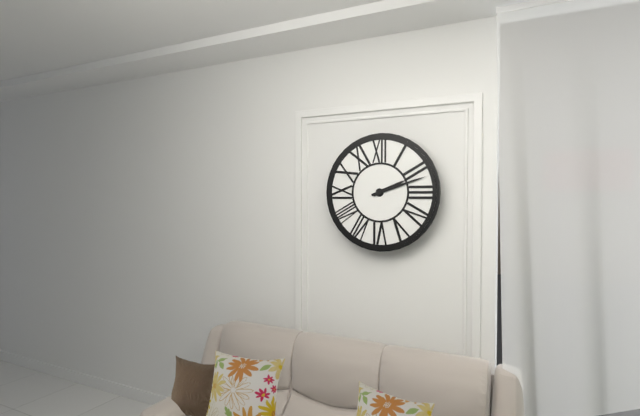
2:12
